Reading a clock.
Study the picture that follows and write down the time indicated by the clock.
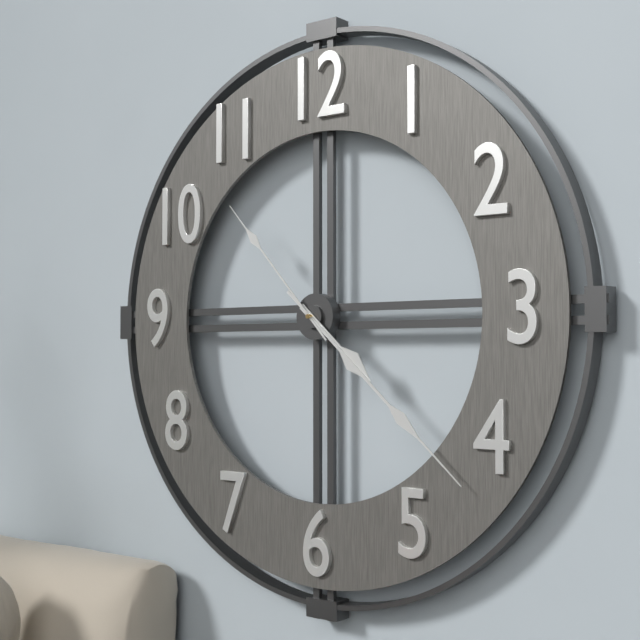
4:22:53
